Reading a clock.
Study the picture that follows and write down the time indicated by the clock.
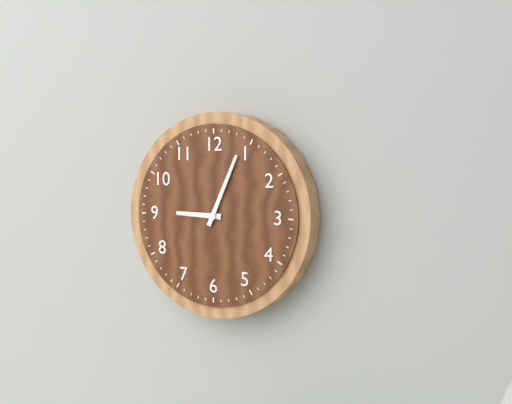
9:04
